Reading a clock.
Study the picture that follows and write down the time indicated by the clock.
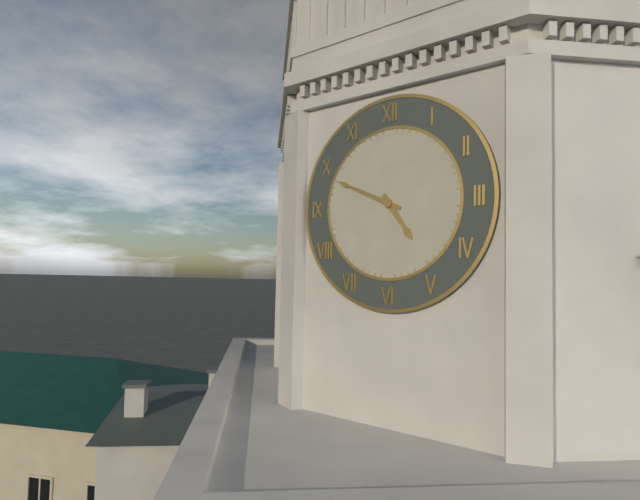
4:49
